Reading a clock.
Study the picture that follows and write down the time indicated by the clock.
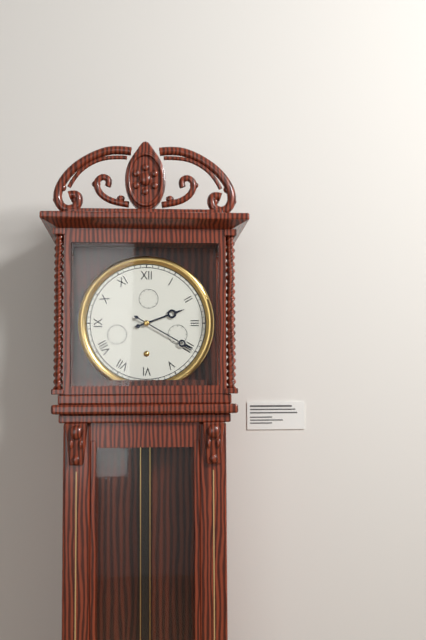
2:20
